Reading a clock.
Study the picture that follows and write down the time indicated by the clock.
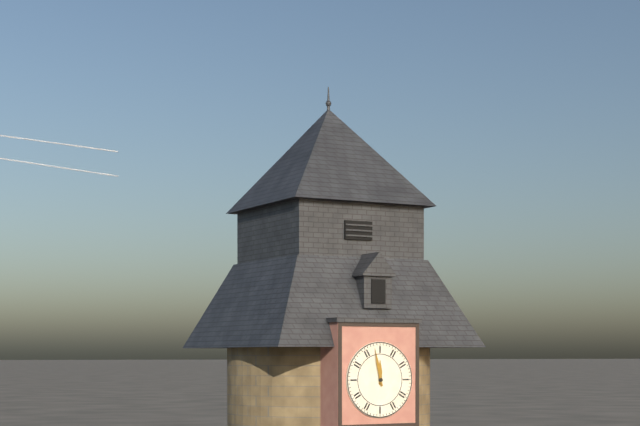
11:58
